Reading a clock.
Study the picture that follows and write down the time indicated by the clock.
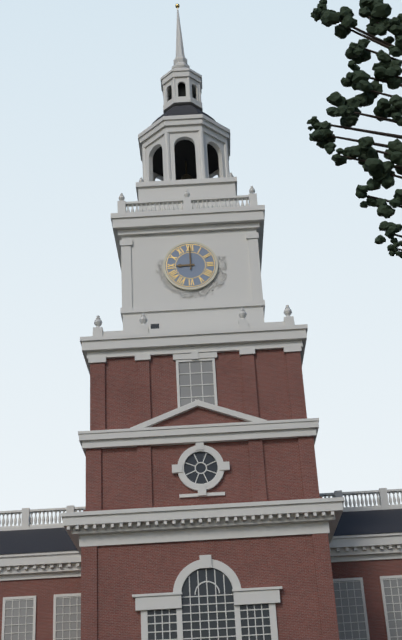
9:00
